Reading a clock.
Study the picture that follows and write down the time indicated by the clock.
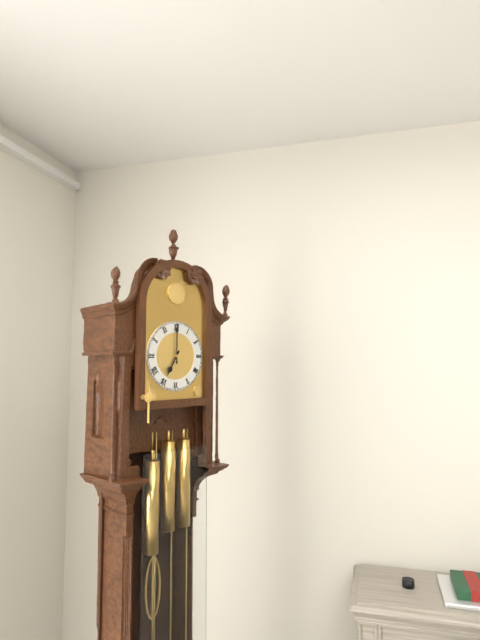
7:00
